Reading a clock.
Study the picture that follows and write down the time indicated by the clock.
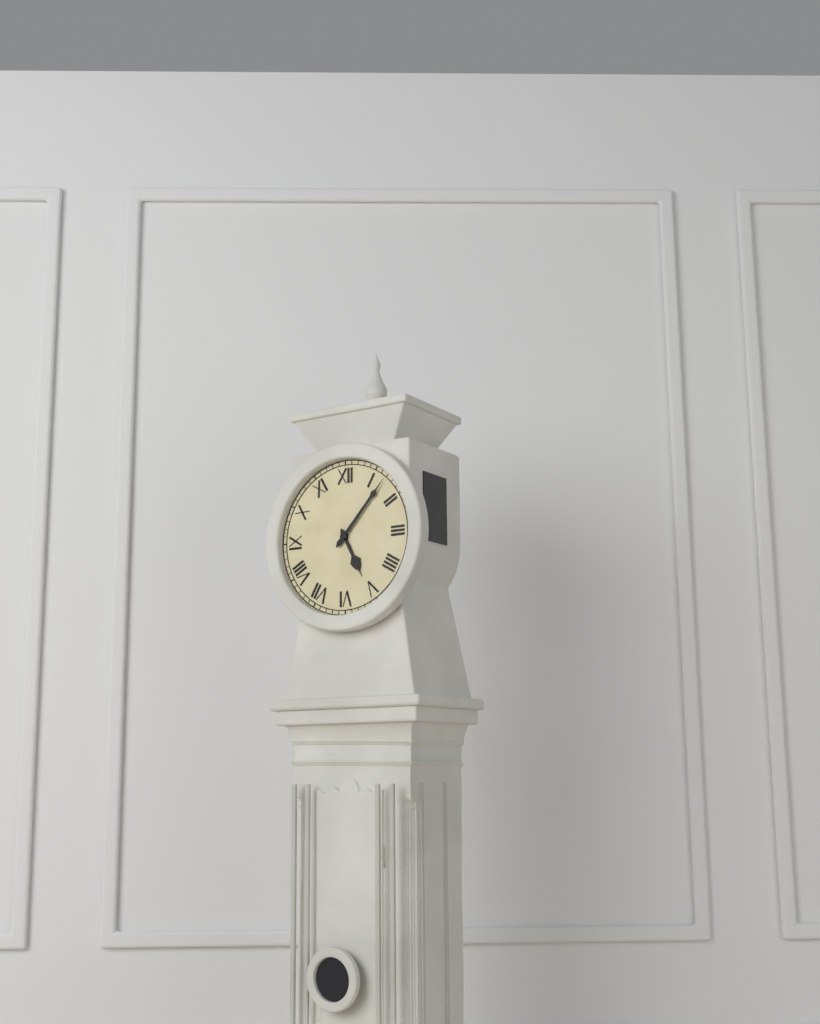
5:07
